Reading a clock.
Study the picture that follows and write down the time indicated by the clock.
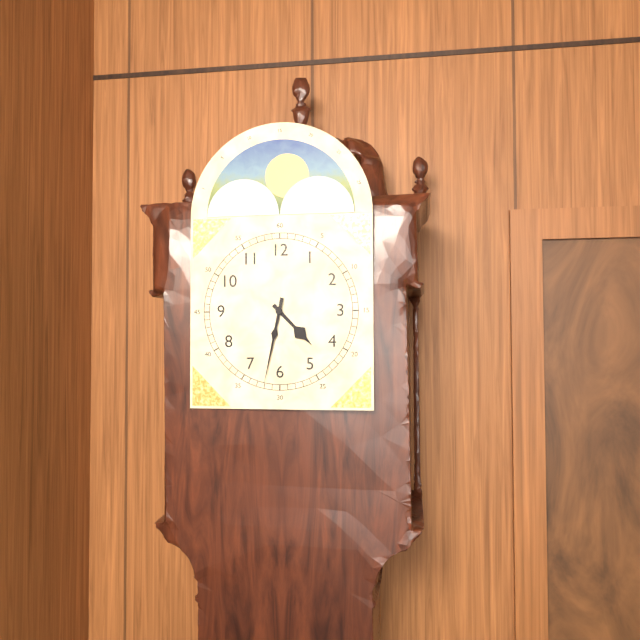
4:32
